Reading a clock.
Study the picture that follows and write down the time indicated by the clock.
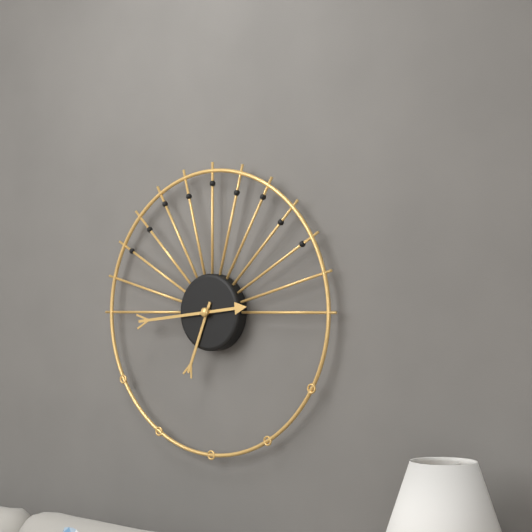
6:44
